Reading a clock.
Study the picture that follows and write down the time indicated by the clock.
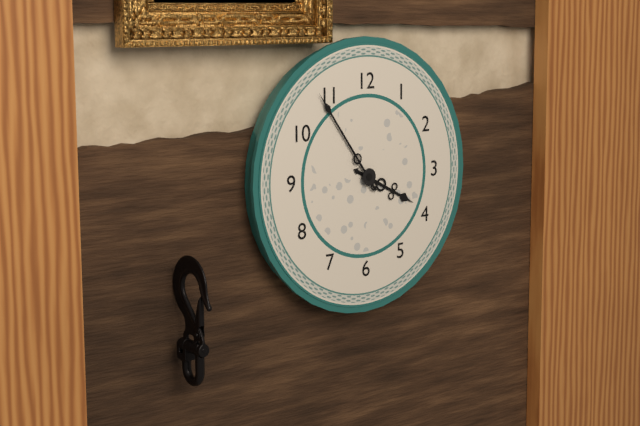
3:54
